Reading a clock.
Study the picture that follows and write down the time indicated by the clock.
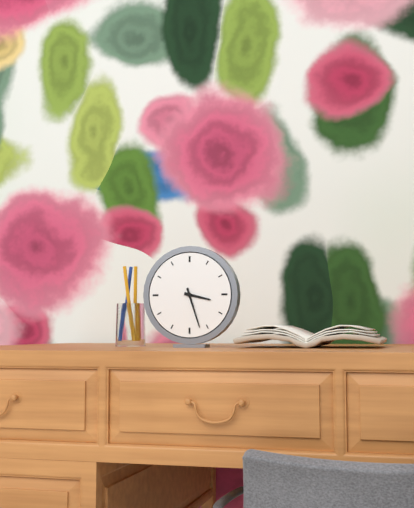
3:27
